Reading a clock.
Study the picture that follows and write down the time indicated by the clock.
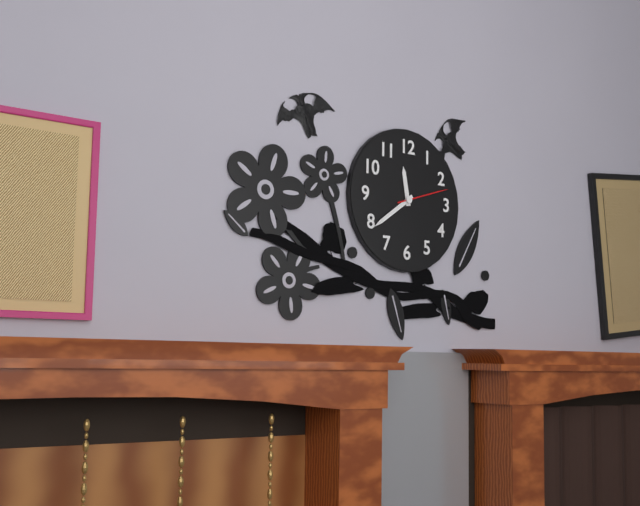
11:39:12
